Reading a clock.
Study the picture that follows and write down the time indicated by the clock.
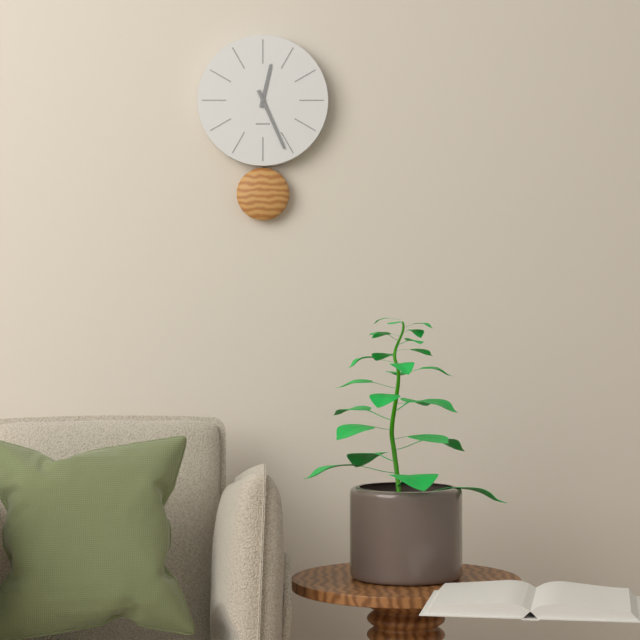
12:26
